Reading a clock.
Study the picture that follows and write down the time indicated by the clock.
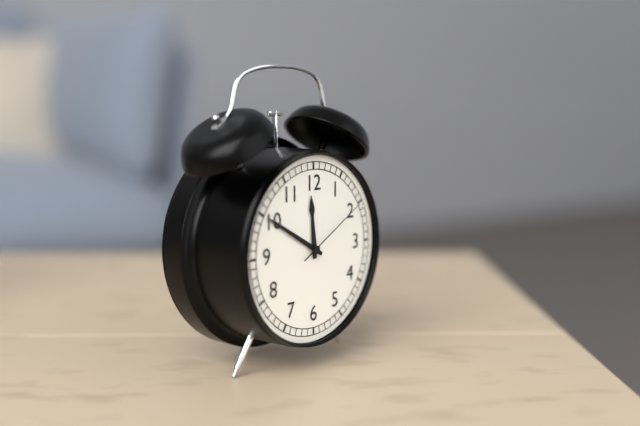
11:50:10
